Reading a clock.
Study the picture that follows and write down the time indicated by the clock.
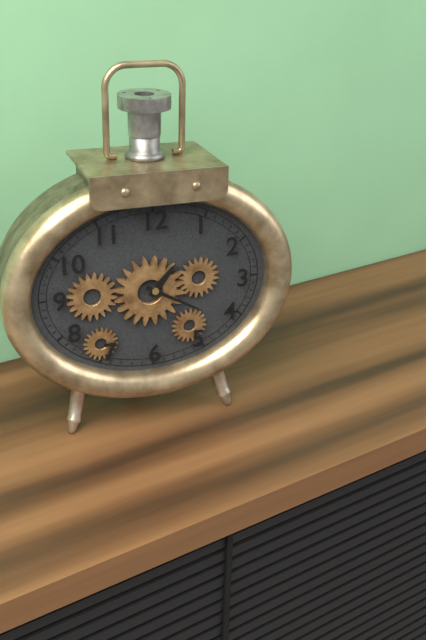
1:20
